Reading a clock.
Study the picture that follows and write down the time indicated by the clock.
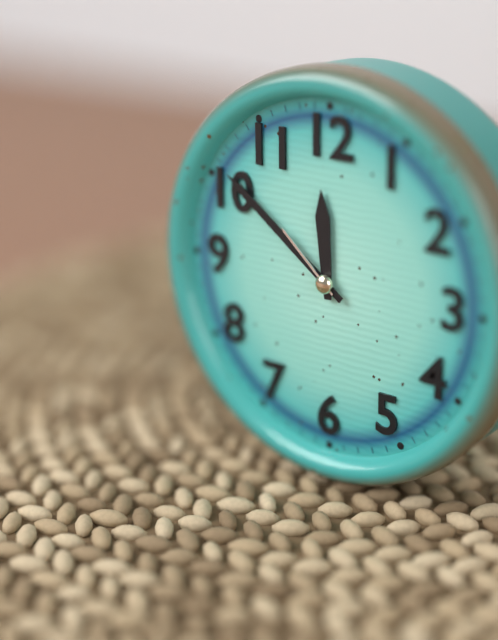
11:51:52
